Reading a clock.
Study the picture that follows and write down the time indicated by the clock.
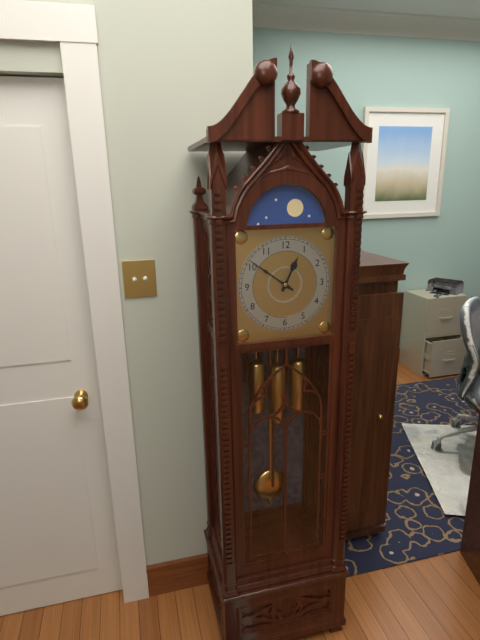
12:51
